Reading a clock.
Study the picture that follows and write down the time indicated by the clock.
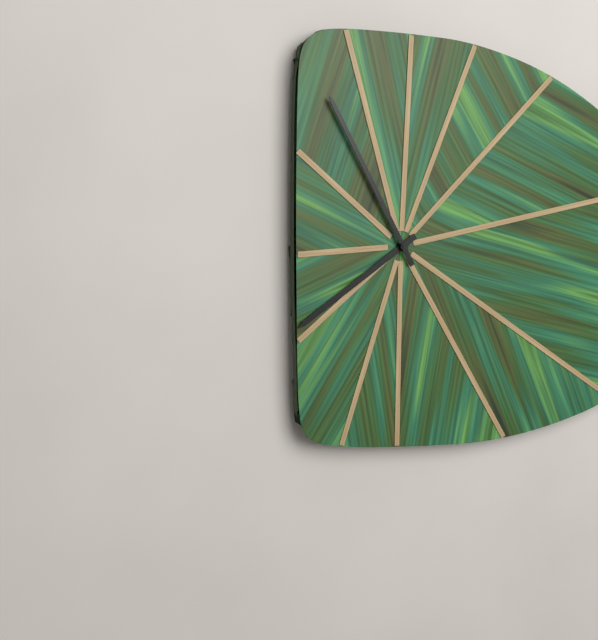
7:55
